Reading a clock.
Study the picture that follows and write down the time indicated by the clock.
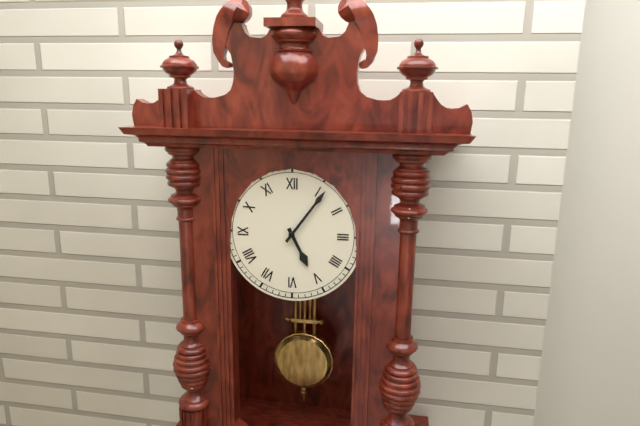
5:06
